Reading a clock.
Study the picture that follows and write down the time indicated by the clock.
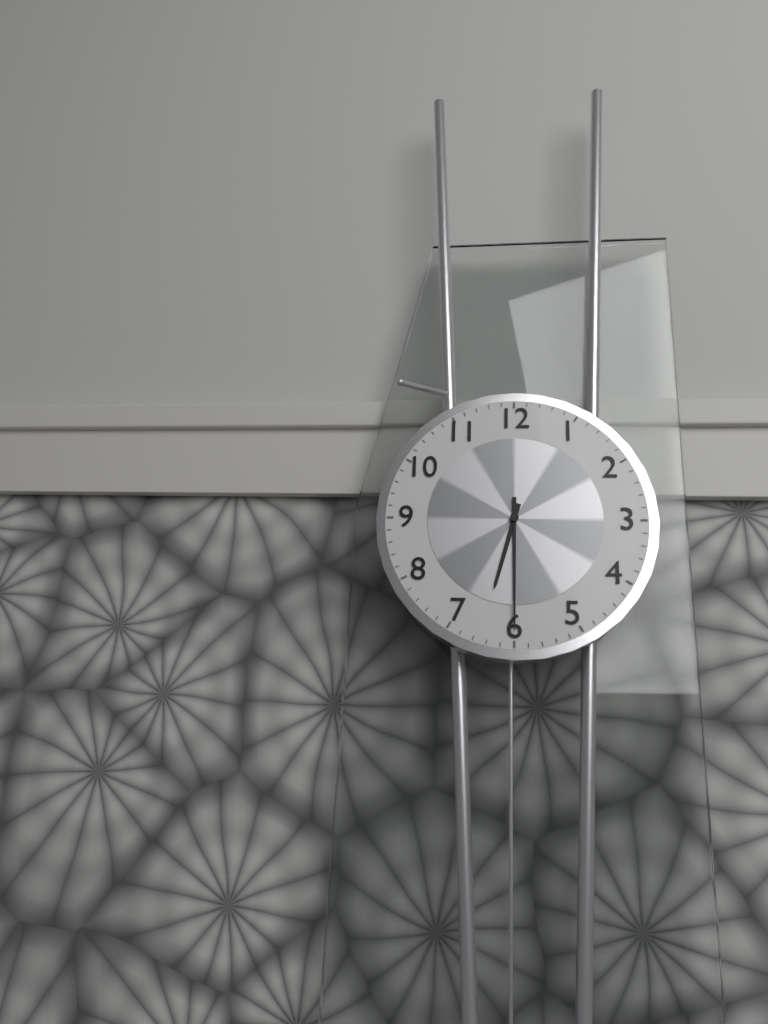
6:30
